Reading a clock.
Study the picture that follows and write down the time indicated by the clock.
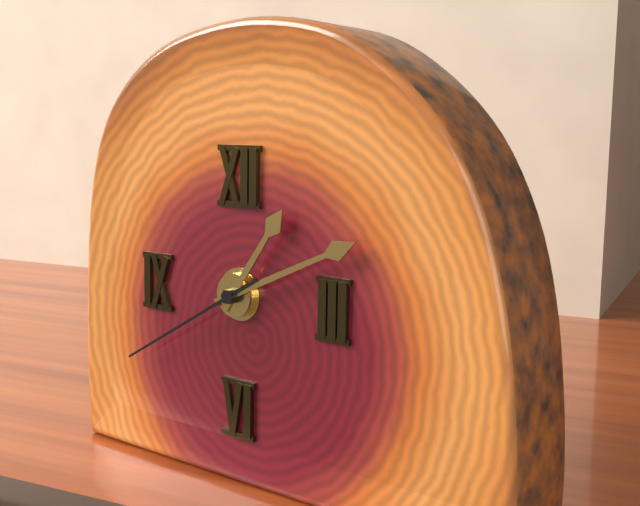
1:11:40
